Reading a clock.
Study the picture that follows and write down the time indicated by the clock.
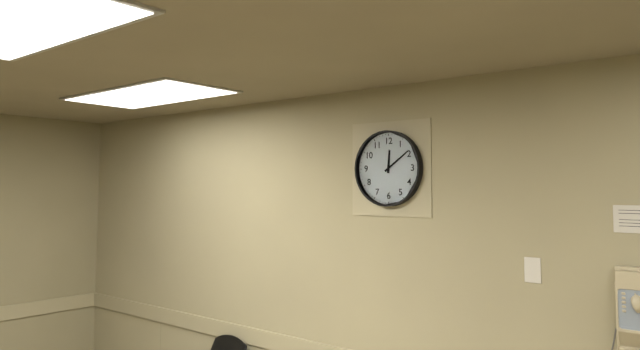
12:09
